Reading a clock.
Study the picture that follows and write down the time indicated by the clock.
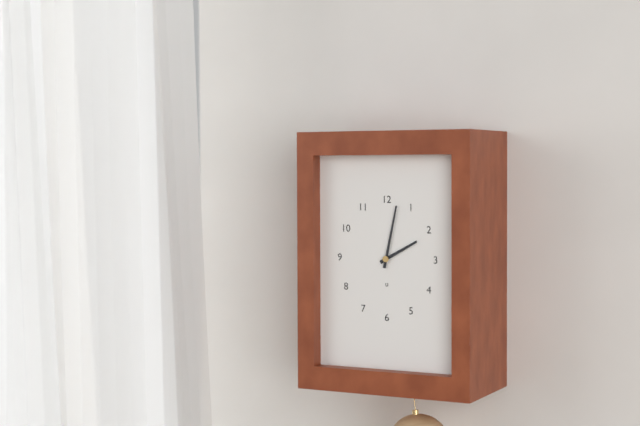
2:02
